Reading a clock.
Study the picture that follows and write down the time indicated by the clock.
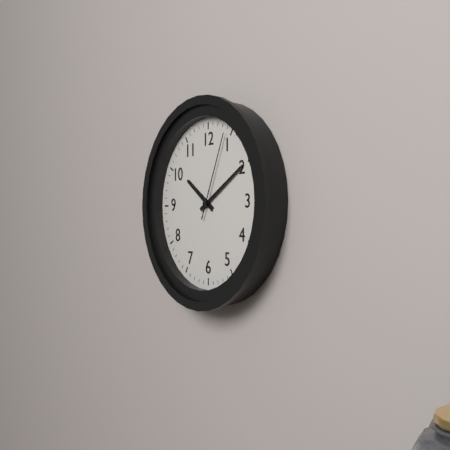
10:10:04
